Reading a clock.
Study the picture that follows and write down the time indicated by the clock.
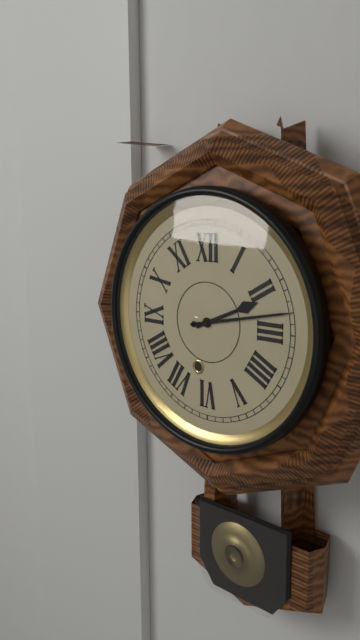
2:13
